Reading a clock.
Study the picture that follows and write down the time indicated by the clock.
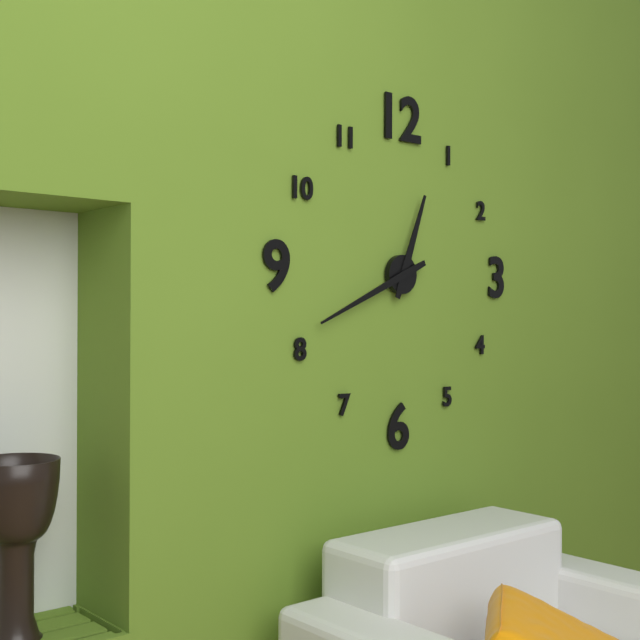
12:41
